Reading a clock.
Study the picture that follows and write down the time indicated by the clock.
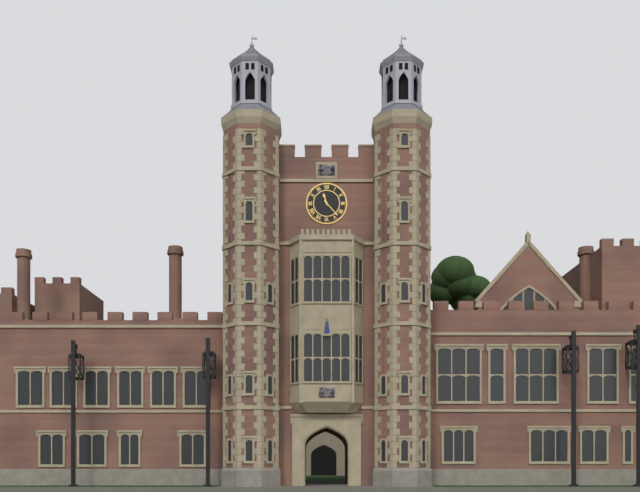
11:23
